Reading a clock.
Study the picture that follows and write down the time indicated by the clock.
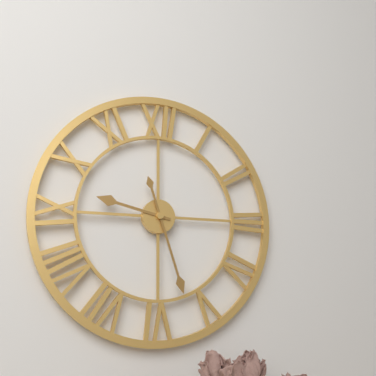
9:27
